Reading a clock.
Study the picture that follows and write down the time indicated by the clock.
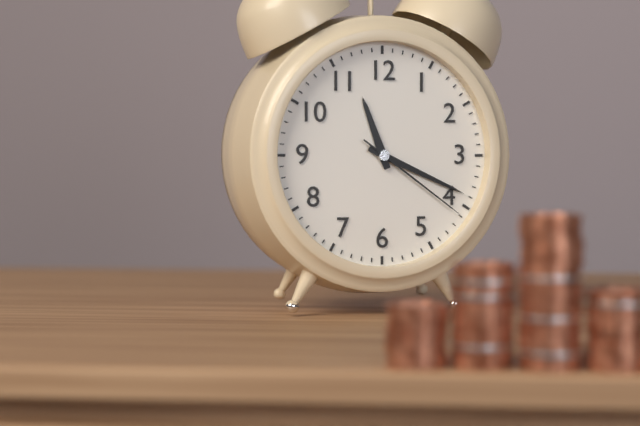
11:19:21
